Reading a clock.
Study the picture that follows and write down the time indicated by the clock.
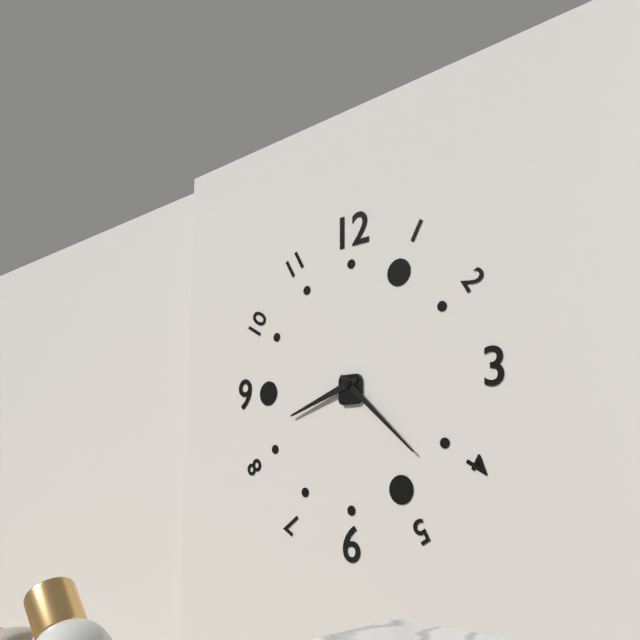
8:22
